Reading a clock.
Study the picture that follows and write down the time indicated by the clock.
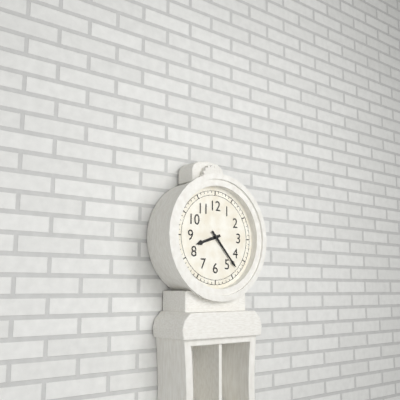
8:23
